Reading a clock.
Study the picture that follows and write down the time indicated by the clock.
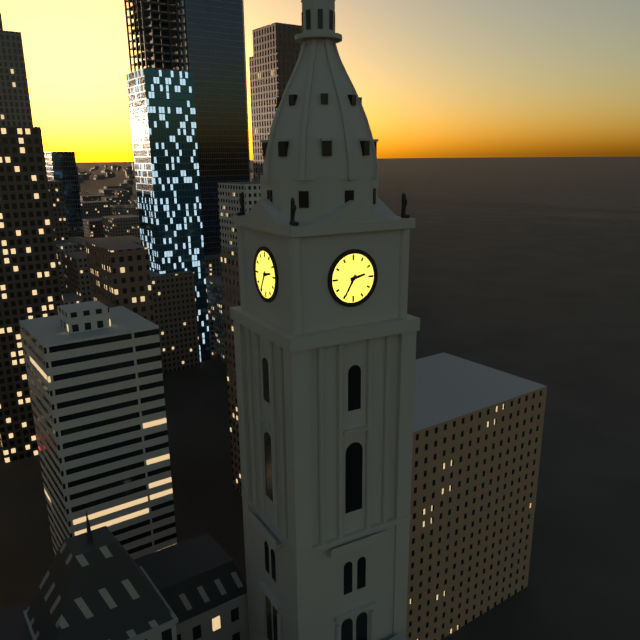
2:35
